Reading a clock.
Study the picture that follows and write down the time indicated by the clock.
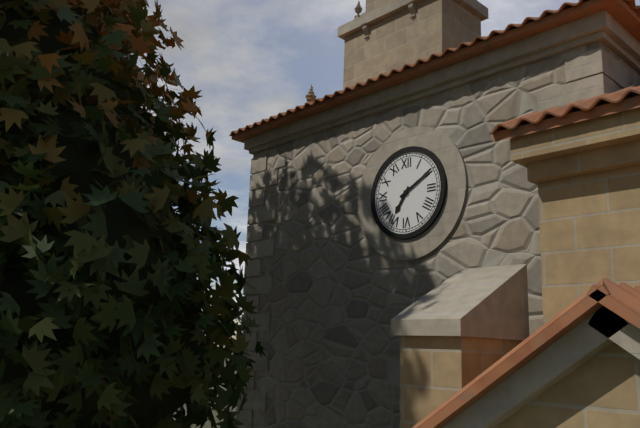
7:10
